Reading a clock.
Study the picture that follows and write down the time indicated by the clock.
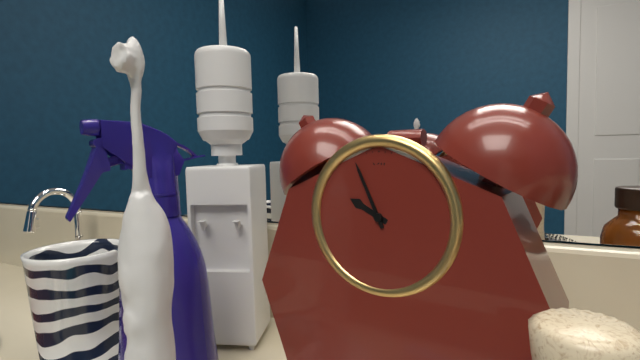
9:56
